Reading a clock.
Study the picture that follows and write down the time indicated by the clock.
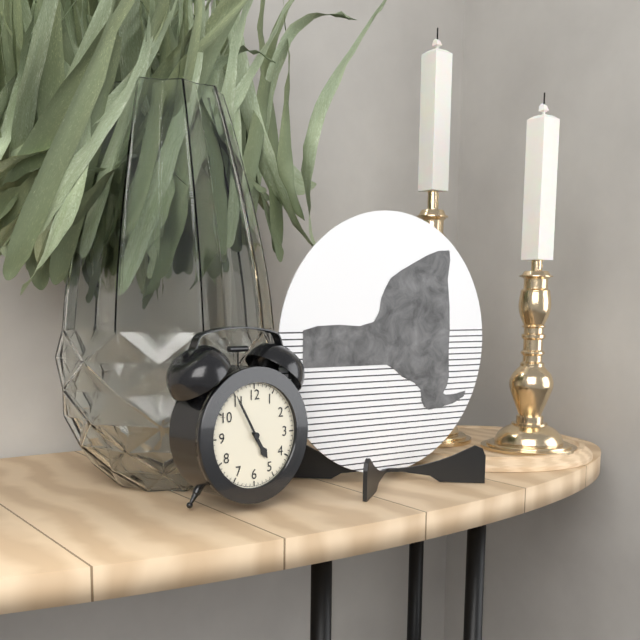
4:55
